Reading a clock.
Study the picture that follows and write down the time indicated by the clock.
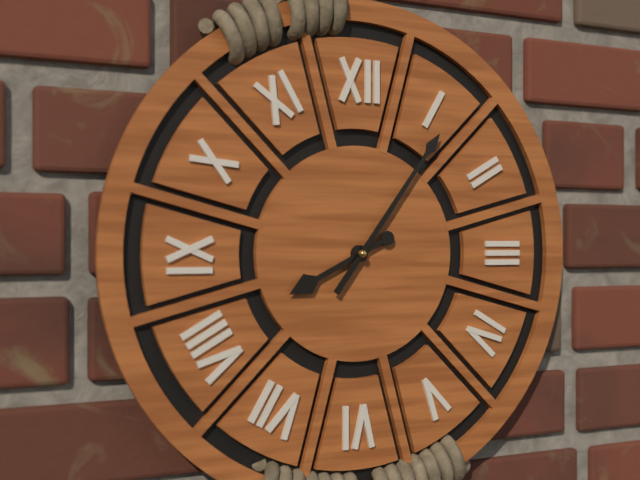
8:06
